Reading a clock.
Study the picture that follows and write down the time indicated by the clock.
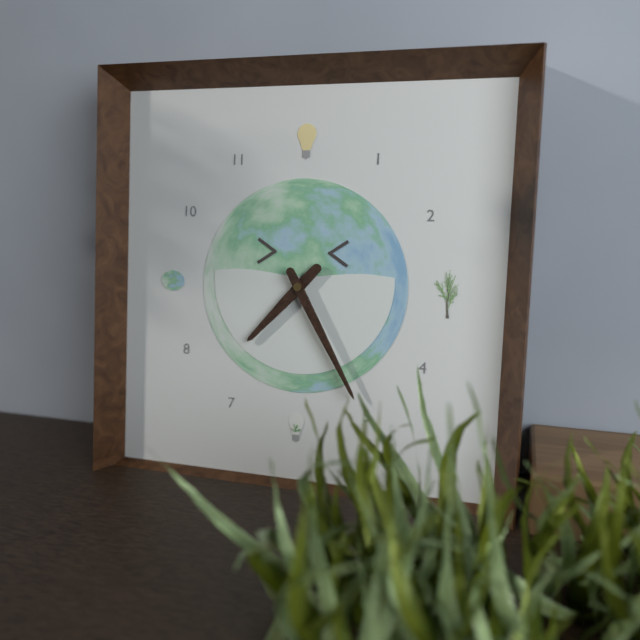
7:25
